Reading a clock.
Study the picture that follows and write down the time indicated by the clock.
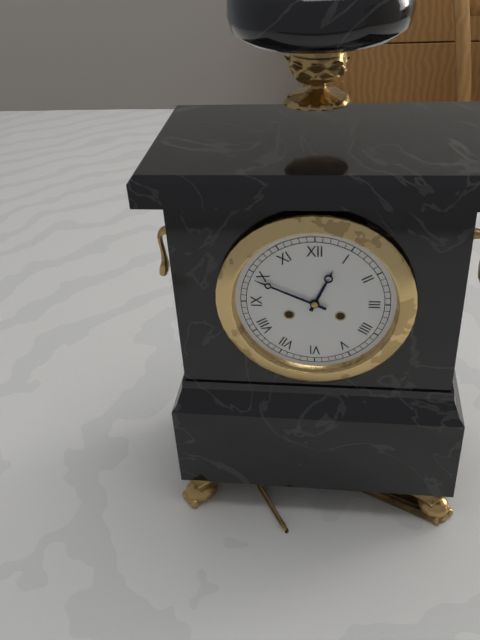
12:49
